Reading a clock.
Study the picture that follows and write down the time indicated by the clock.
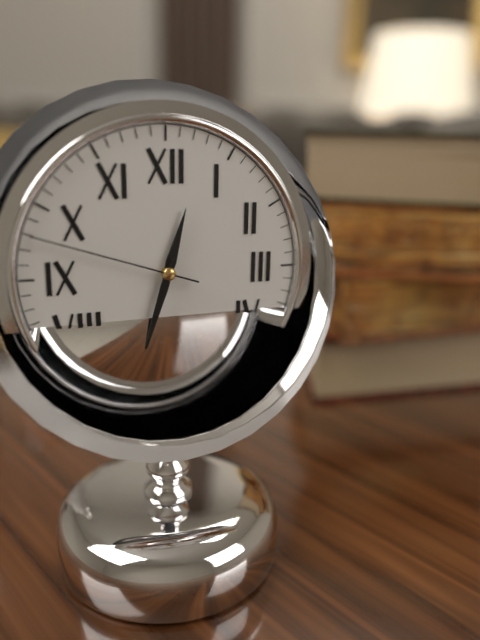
12:33:48
